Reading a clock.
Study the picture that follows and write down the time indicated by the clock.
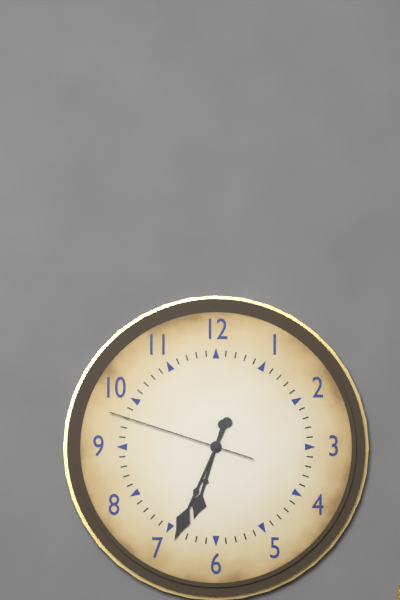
6:34:48
